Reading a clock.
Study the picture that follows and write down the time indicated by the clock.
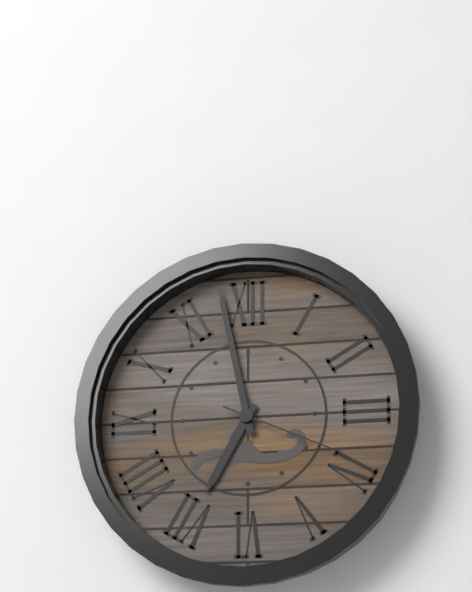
6:58:19
